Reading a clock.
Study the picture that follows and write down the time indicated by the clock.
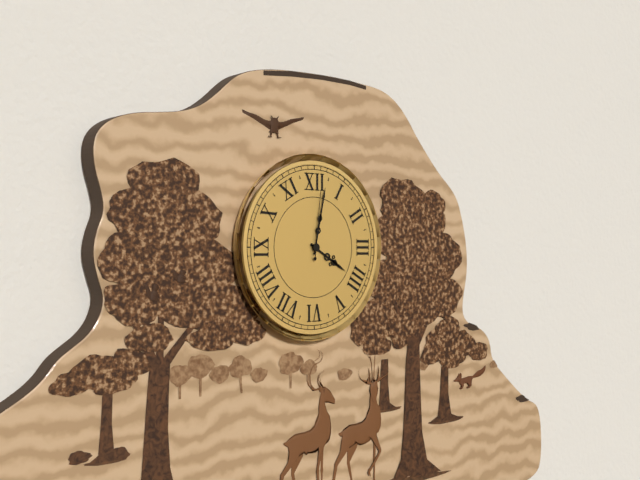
4:02:01
